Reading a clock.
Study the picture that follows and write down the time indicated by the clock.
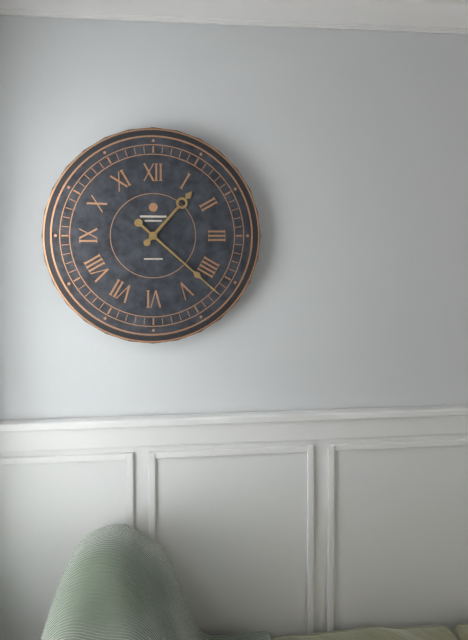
1:22
